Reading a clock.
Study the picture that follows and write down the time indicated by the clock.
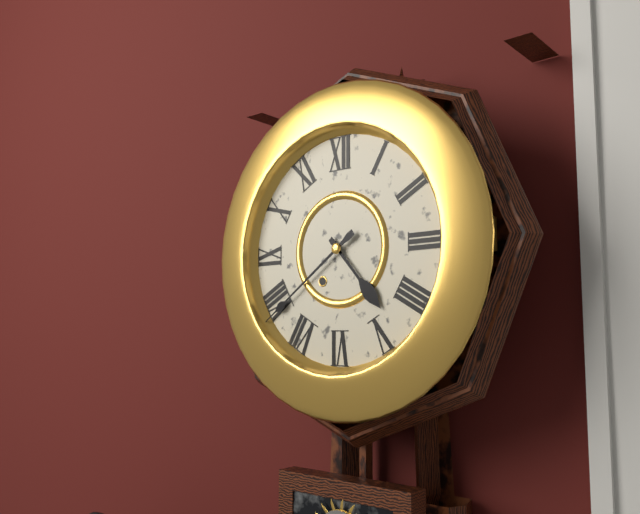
4:39
